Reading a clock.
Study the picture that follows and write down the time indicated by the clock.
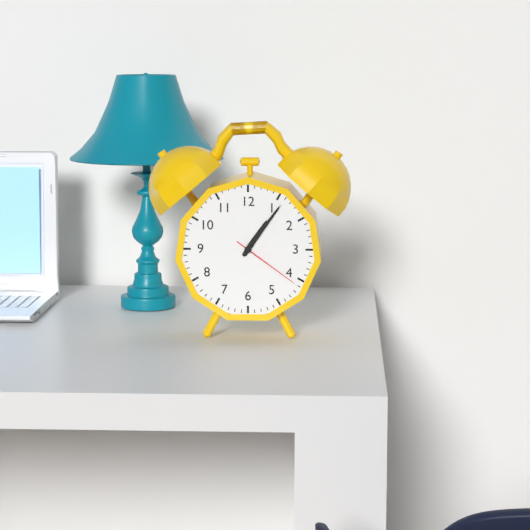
1:06:21
